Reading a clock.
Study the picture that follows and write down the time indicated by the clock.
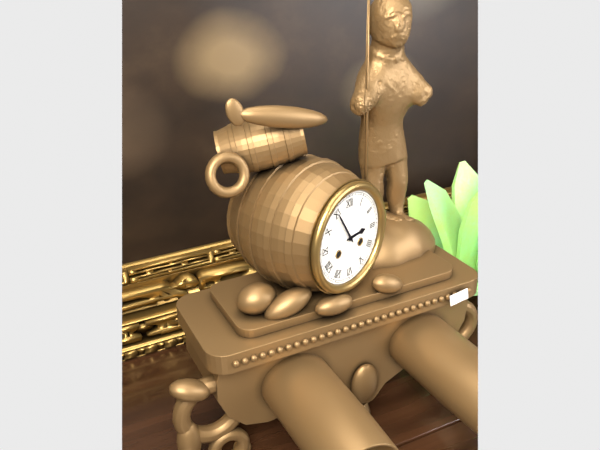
2:55
